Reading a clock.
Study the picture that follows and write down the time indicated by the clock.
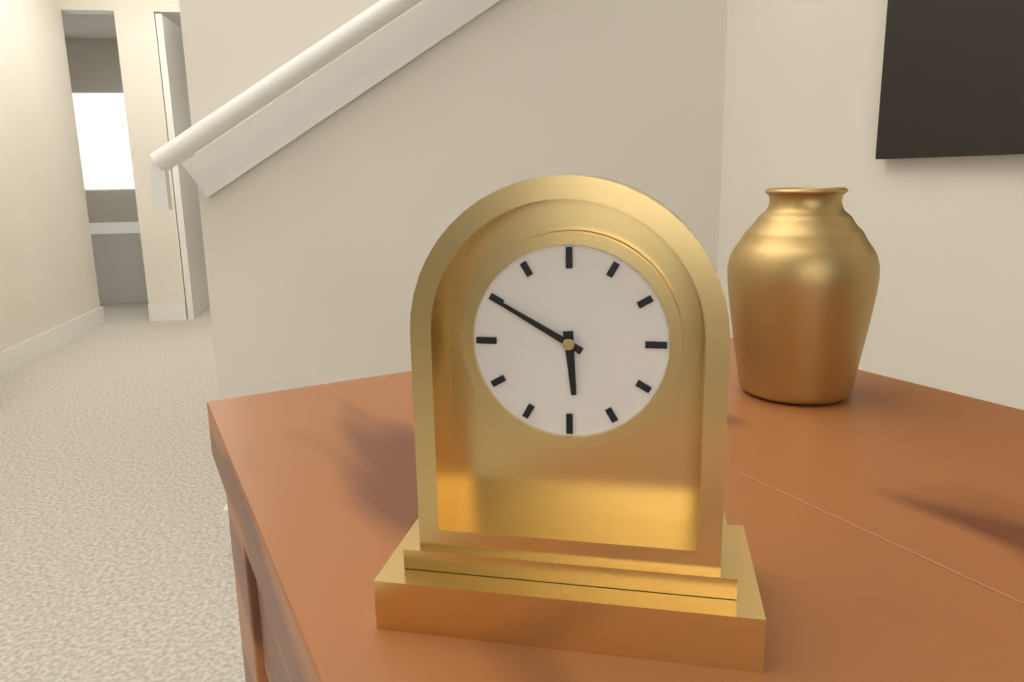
5:50
